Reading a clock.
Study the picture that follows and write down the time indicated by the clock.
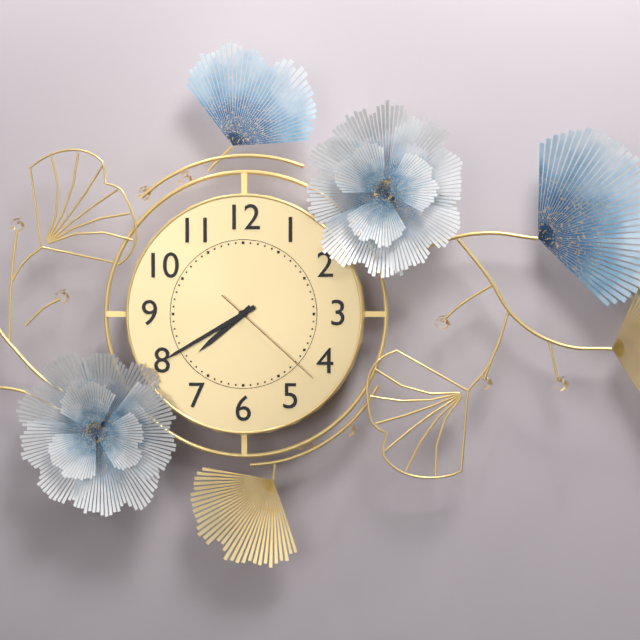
7:40:22
